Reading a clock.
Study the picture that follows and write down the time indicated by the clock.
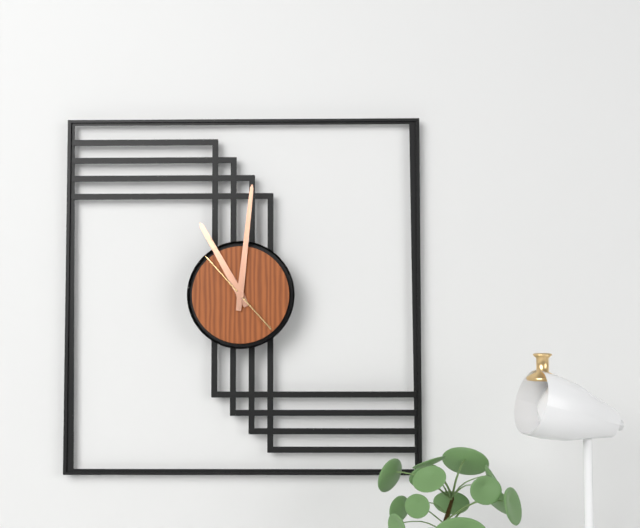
11:01:53
